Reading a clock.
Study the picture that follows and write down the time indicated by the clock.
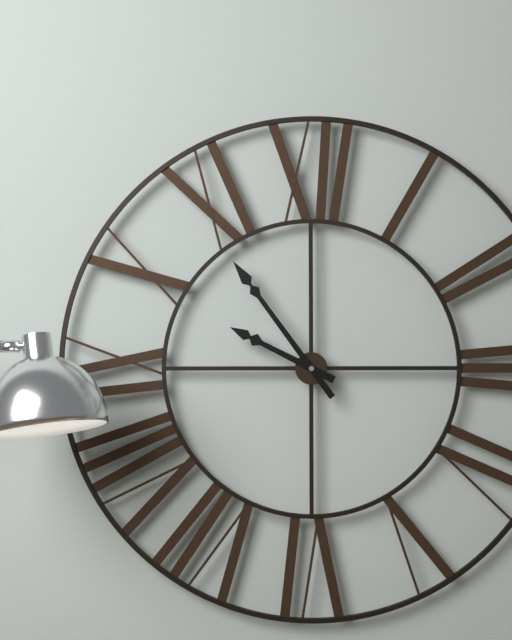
9:54
